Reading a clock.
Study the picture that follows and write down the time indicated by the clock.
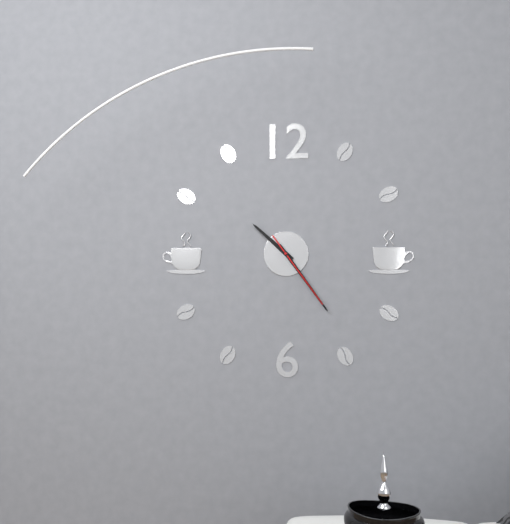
10:24:24
